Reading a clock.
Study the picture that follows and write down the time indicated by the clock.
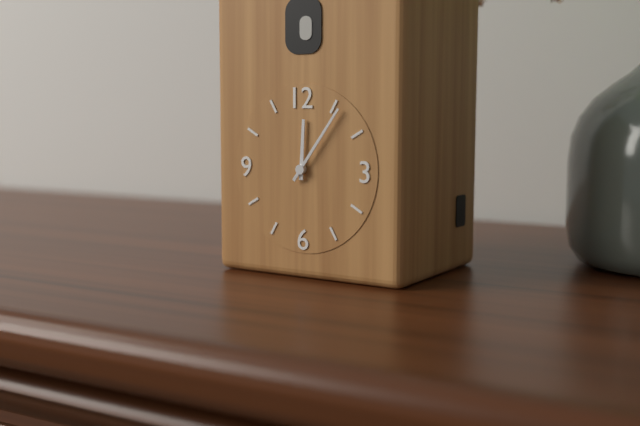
12:06
